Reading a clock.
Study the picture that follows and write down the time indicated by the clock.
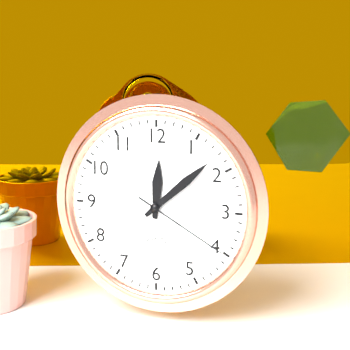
12:08:20
